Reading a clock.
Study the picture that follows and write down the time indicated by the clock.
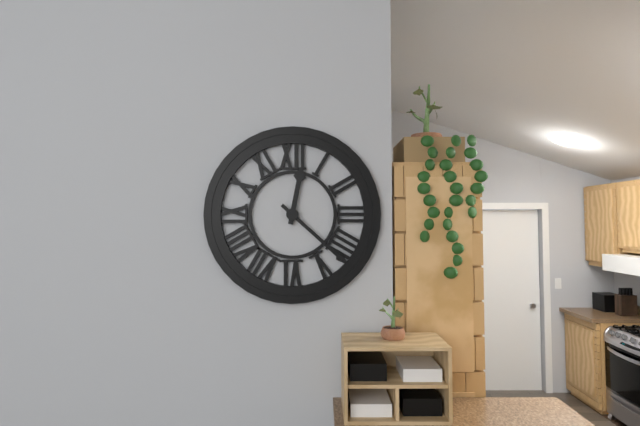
12:22
